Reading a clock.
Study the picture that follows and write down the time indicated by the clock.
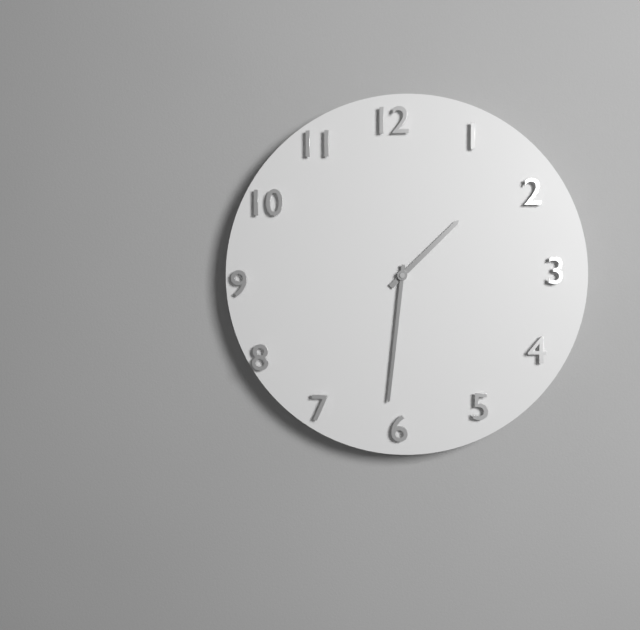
1:31
